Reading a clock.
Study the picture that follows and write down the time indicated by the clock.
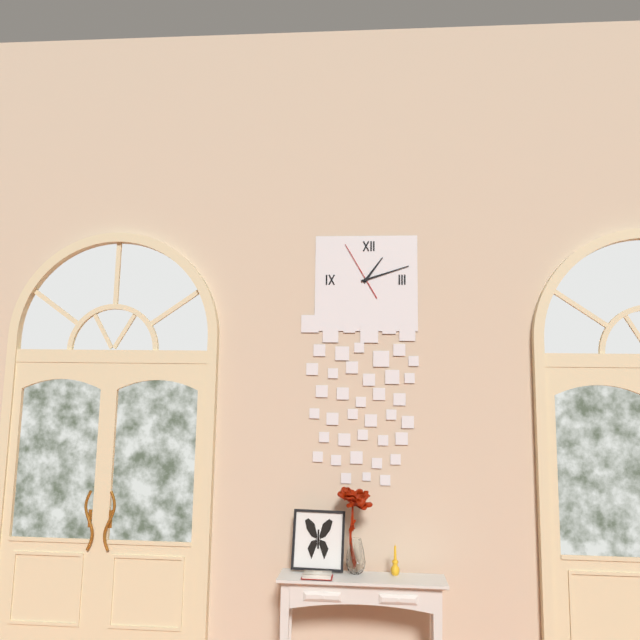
1:12:55
